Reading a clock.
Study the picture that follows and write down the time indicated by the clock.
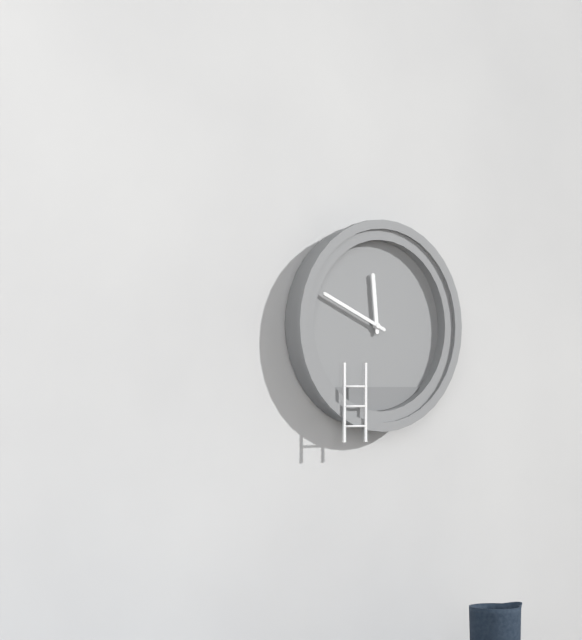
11:49
